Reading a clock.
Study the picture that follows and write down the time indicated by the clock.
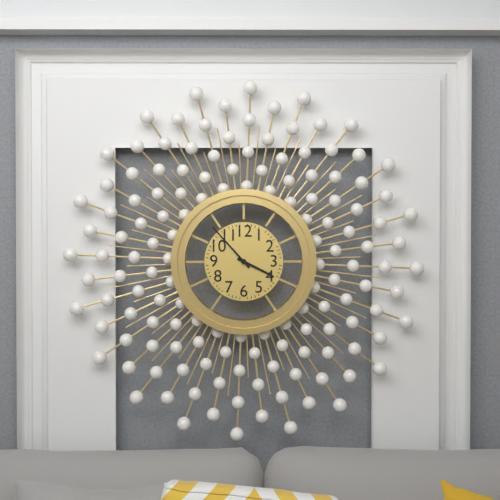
3:53
